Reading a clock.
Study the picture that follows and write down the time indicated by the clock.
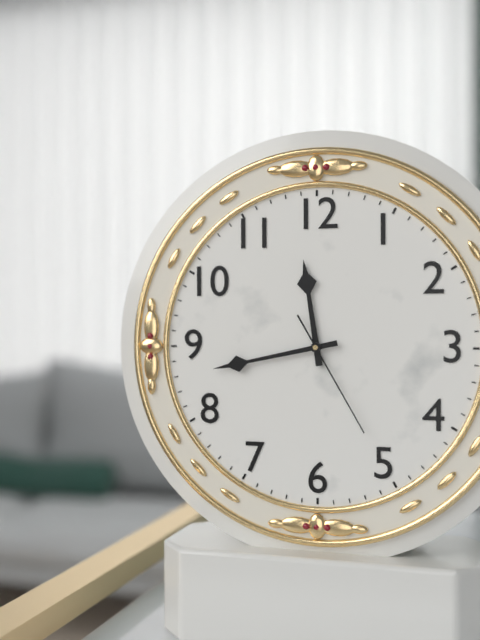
11:43:25
